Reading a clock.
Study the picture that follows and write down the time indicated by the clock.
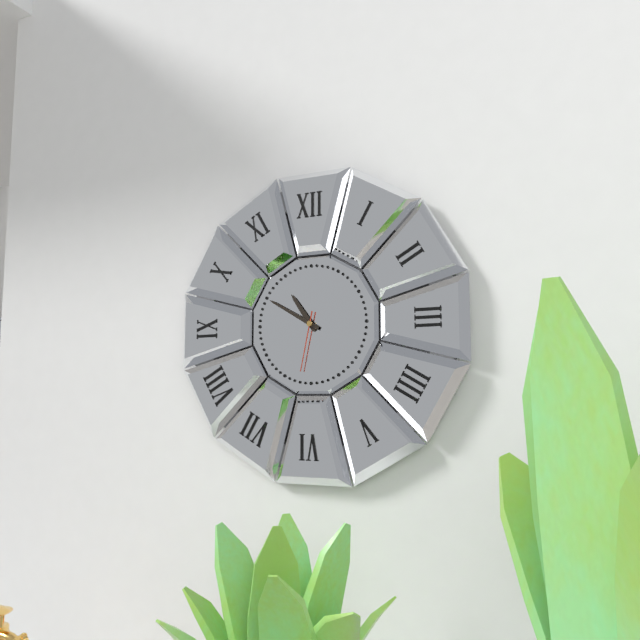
10:50:32
